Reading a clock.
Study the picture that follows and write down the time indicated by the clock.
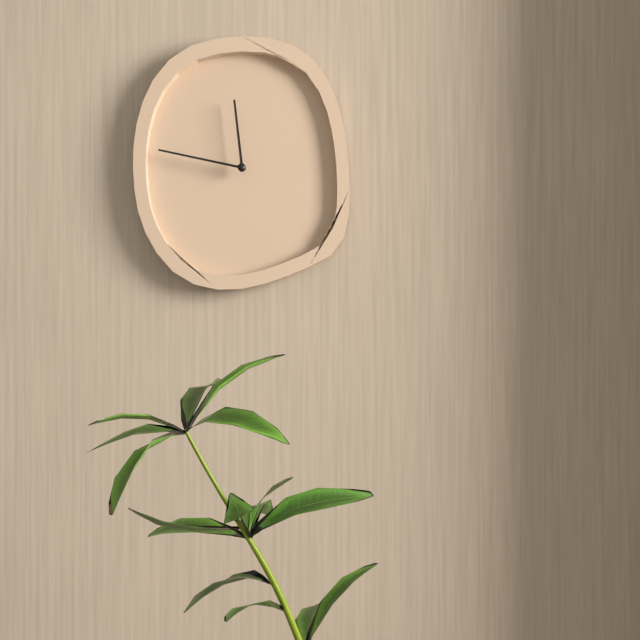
11:47
